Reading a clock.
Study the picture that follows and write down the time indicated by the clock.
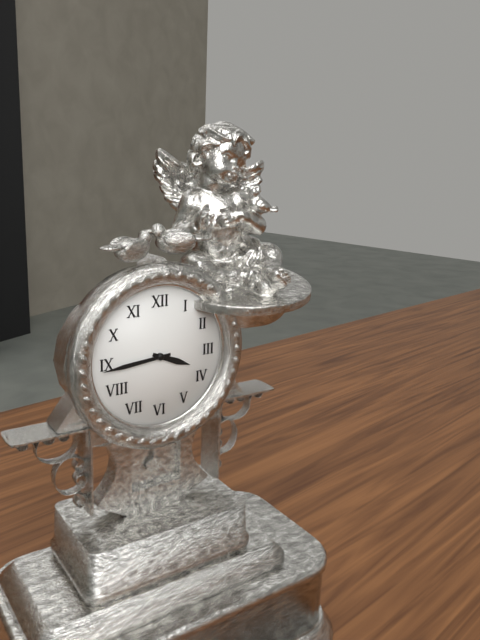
3:44
